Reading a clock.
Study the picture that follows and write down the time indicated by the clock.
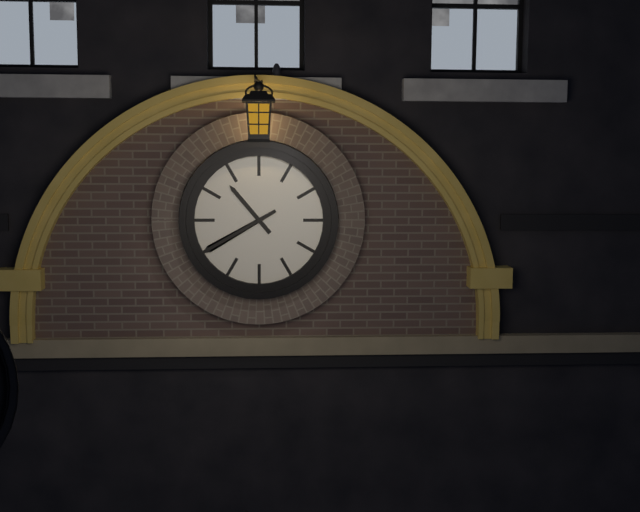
10:40
